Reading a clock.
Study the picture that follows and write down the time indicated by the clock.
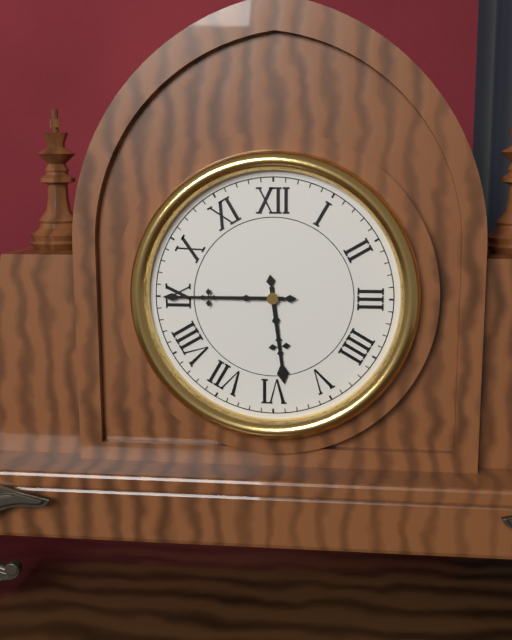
5:45
